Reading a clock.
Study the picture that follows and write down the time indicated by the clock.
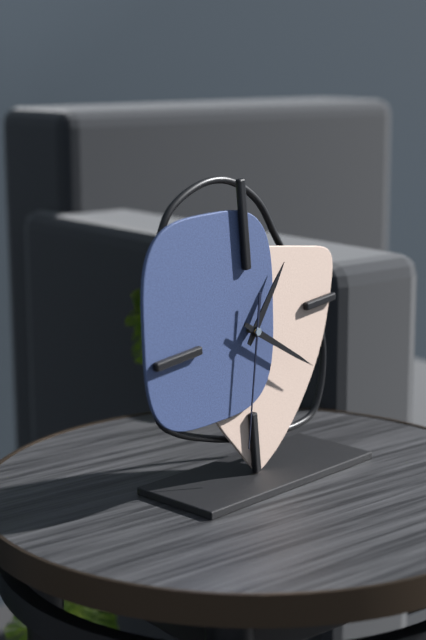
1:21:32
